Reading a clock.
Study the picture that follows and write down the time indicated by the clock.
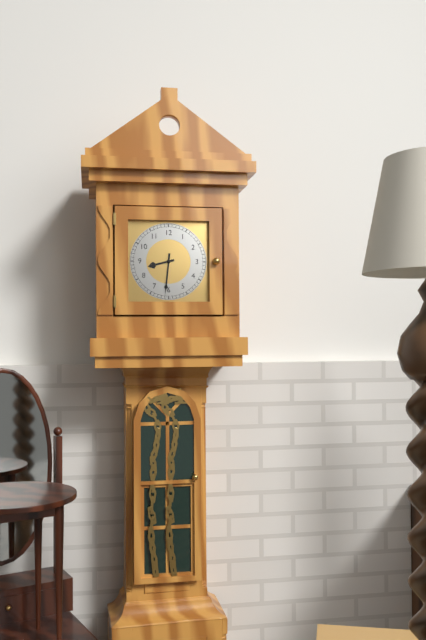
8:31
